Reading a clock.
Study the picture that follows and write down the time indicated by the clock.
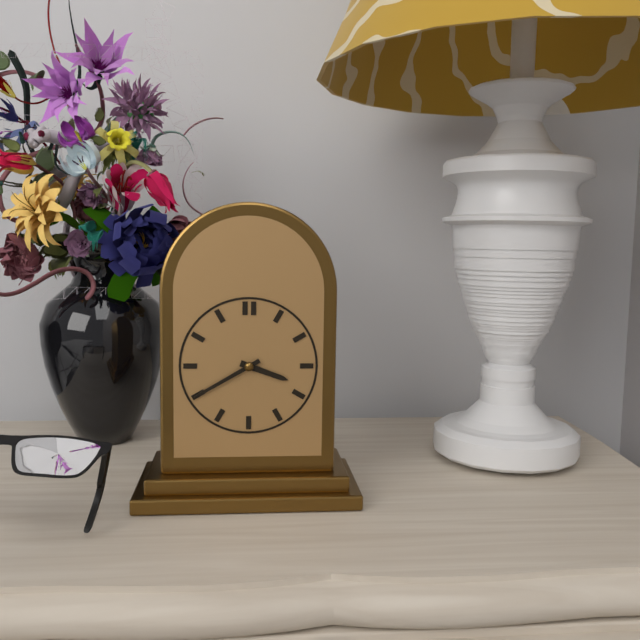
3:40
